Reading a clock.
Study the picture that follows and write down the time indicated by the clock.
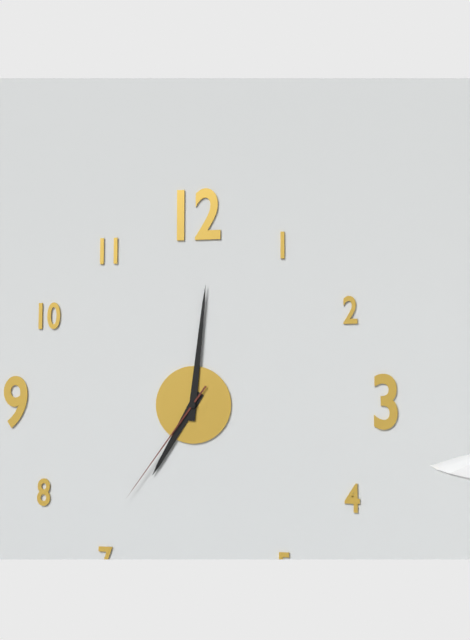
7:01:36
